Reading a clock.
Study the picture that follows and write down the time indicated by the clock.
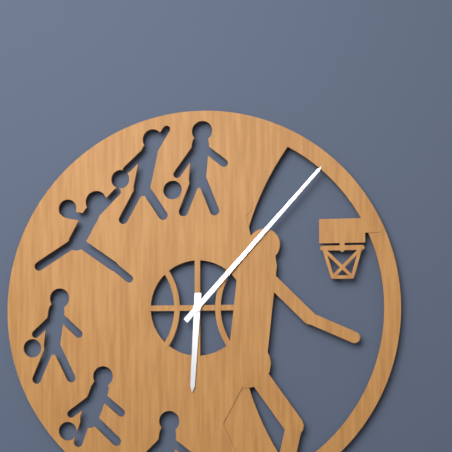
6:07
